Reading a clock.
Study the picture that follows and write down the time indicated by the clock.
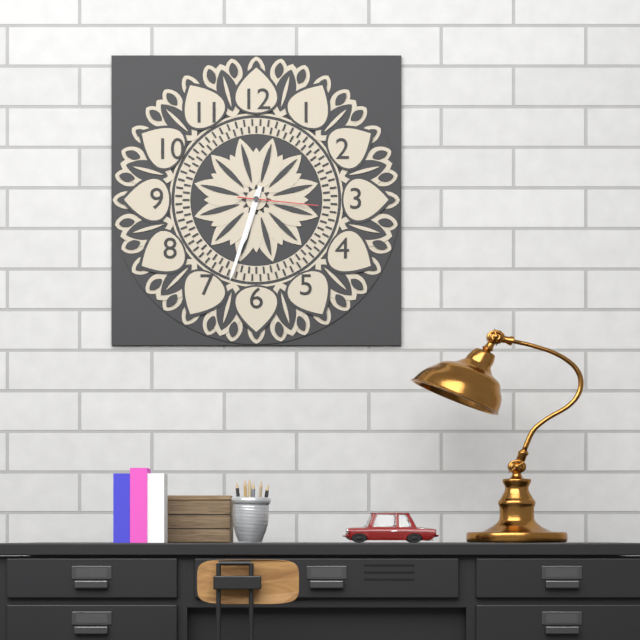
6:33:16
